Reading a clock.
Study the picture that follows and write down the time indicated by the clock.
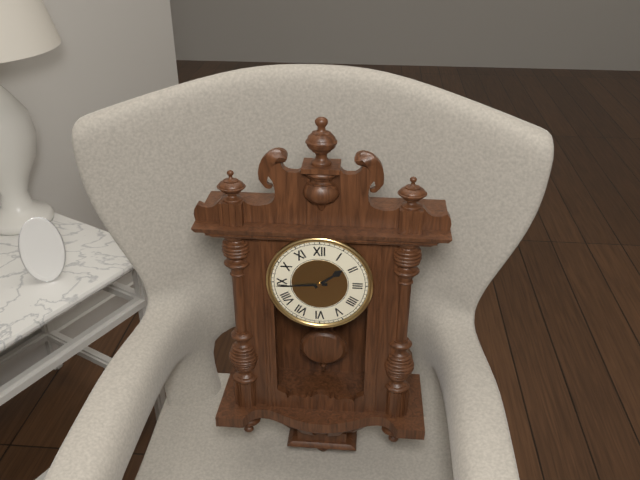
1:44
